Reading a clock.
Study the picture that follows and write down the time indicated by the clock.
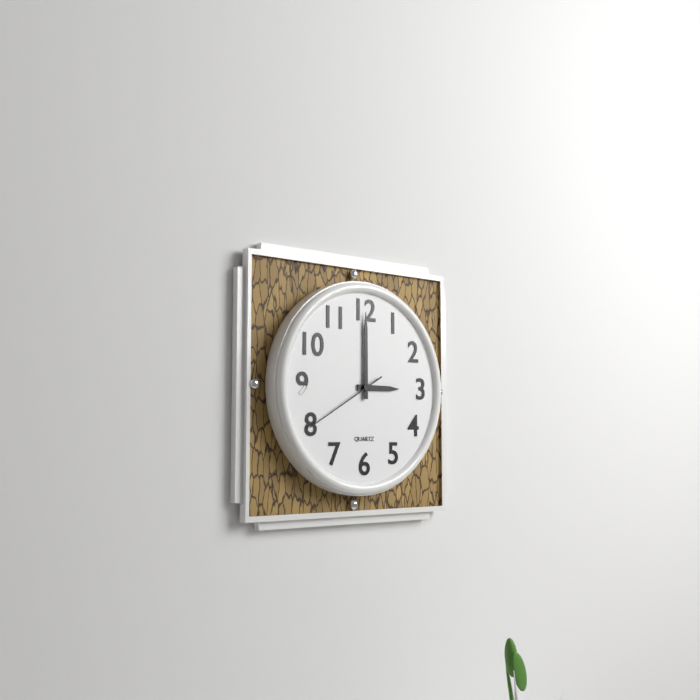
3:00:40
